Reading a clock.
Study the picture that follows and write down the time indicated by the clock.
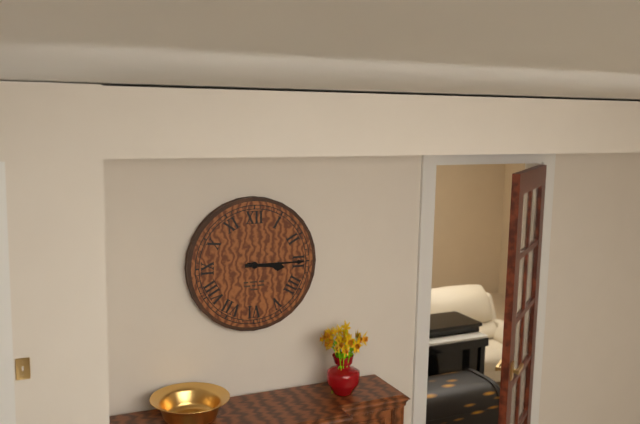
3:15
